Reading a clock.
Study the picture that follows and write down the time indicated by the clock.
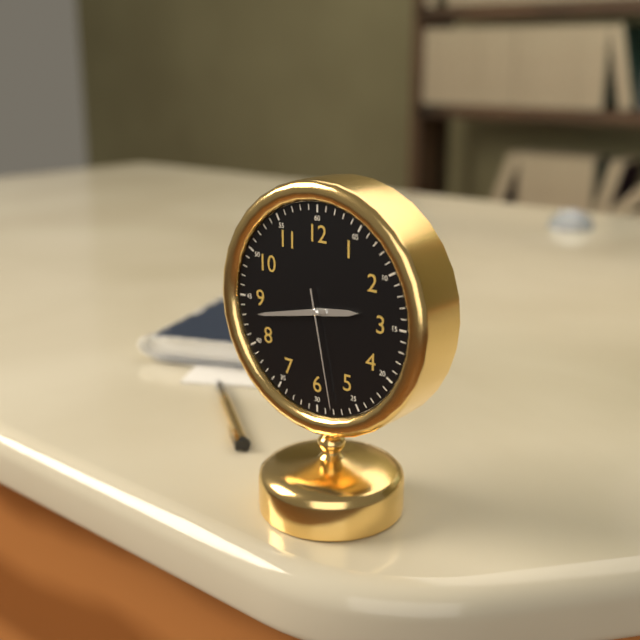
2:43:28
